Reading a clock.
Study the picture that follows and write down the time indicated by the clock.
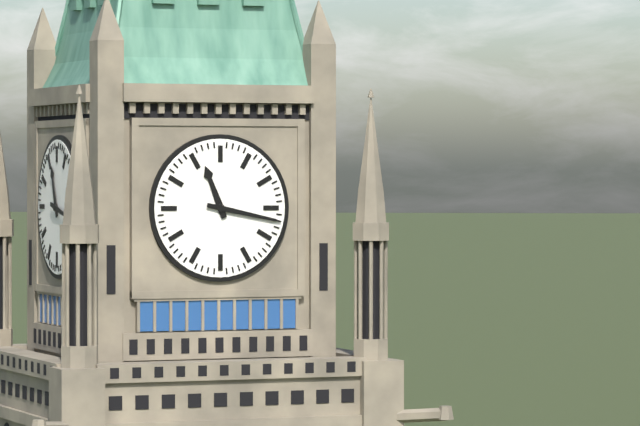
11:17
